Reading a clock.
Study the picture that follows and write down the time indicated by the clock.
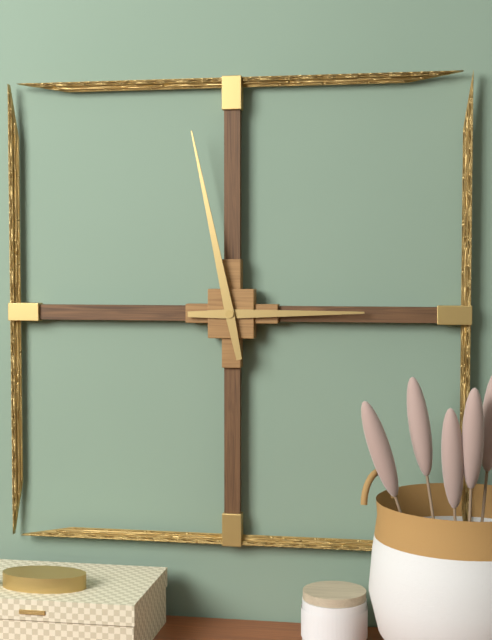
2:58
